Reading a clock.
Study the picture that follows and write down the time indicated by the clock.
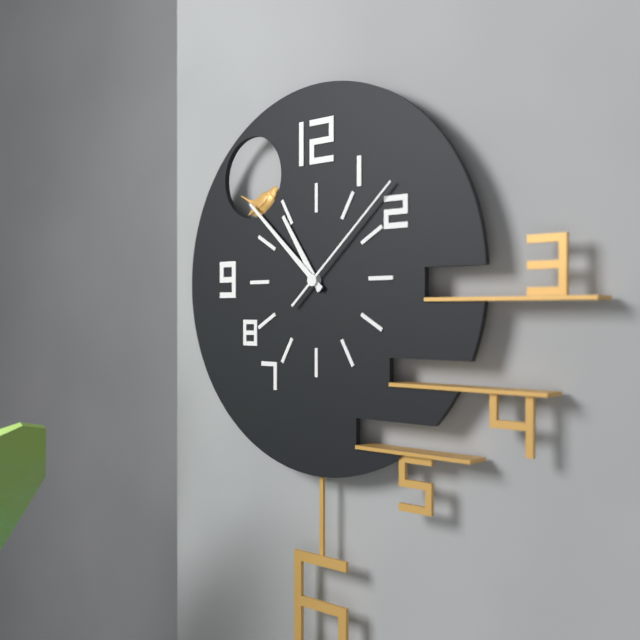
10:52:08
